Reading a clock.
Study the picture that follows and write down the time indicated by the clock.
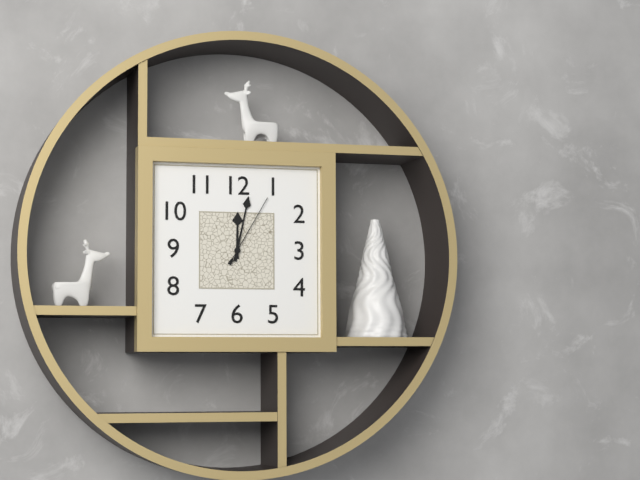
12:02:05
